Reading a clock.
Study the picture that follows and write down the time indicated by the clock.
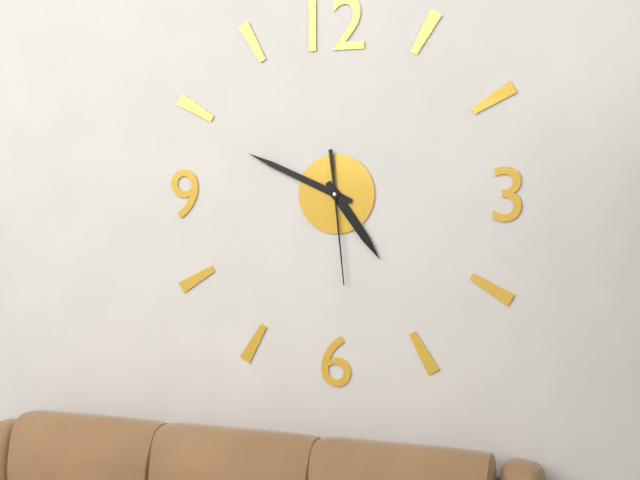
4:49:29
